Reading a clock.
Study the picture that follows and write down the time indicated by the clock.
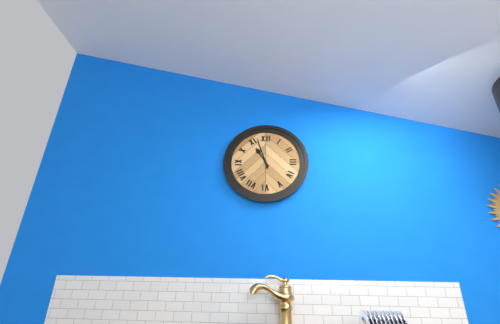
10:57
